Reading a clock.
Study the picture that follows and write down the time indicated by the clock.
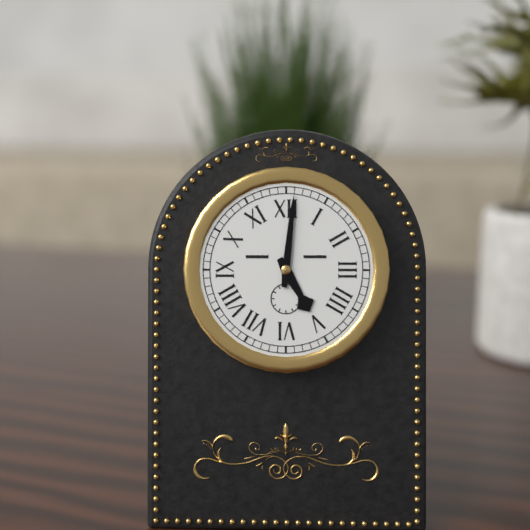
5:01
